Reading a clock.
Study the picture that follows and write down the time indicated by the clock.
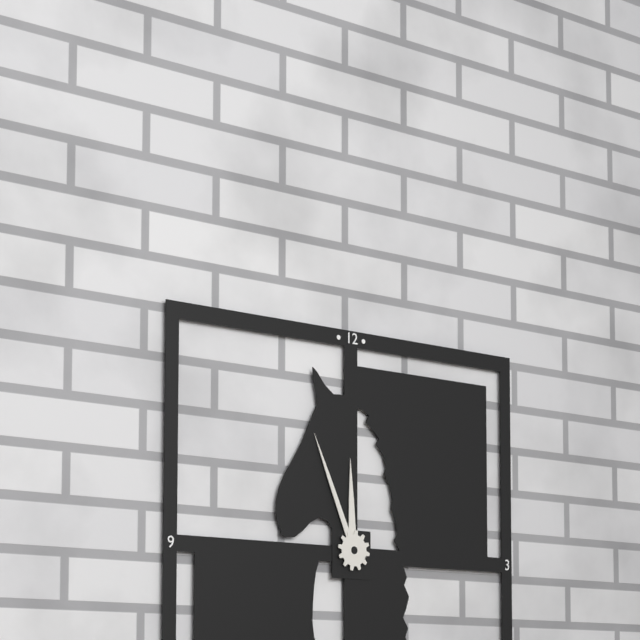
11:56
